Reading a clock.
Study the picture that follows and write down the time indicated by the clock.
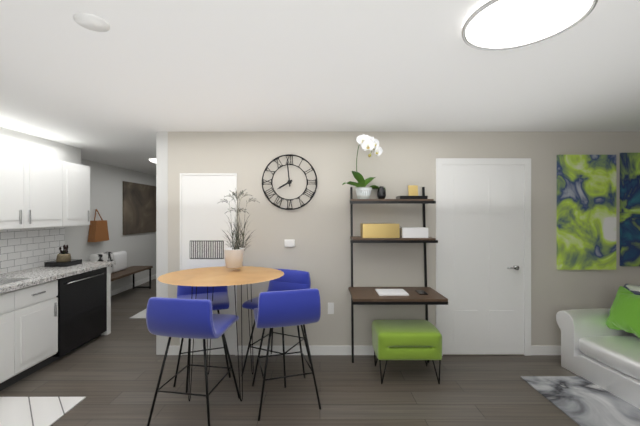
7:59
